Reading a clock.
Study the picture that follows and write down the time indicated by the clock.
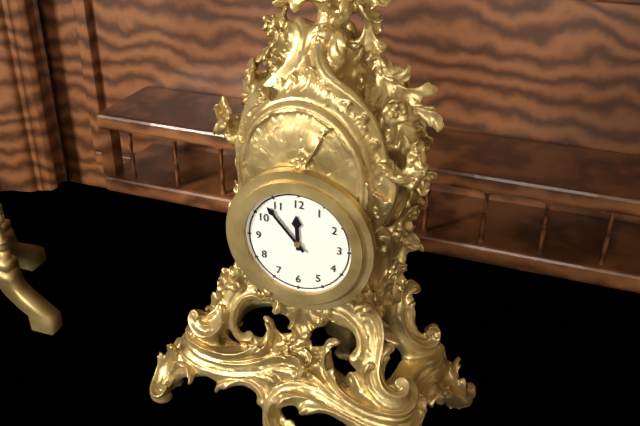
11:53
